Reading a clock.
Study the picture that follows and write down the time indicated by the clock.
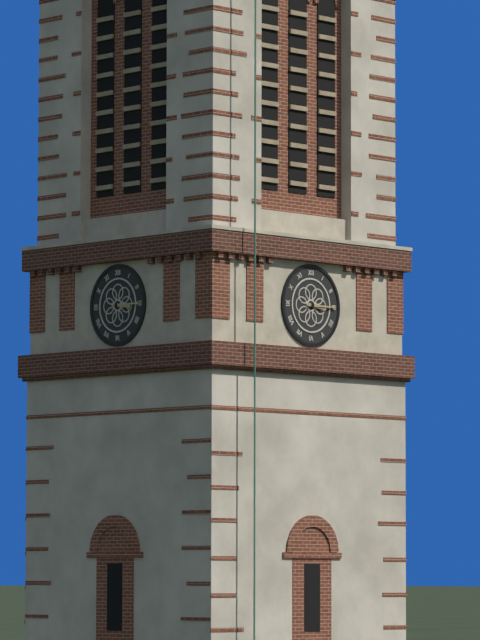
3:15
